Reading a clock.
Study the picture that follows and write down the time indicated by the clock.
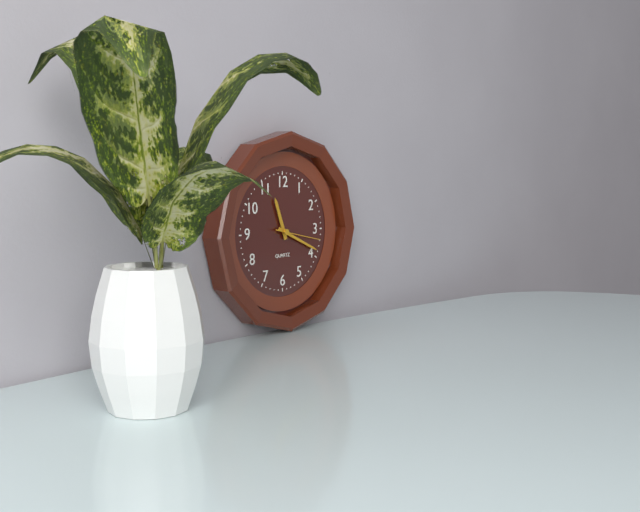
11:19
